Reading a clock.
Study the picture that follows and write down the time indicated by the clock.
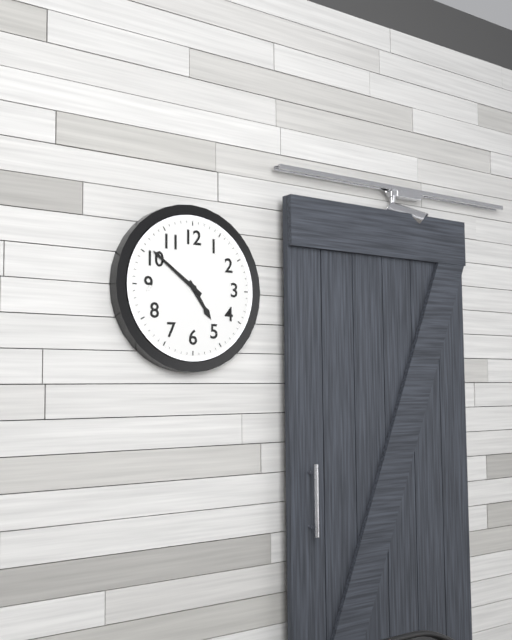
4:51
